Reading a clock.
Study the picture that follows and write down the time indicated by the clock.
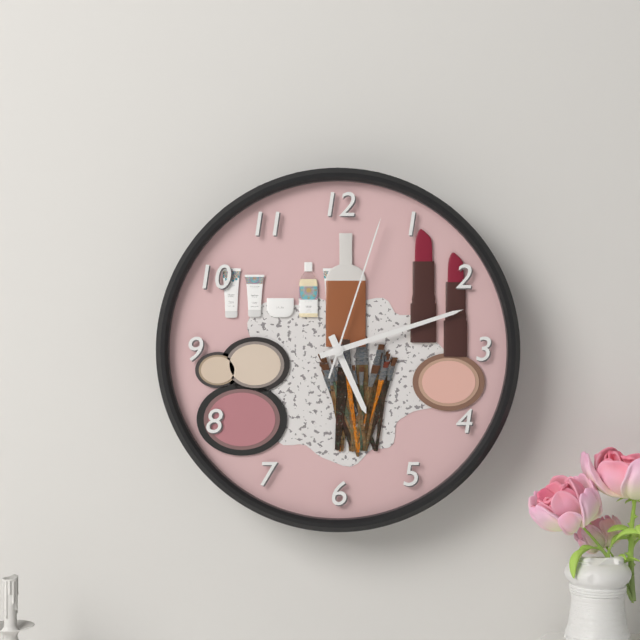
5:12:03
